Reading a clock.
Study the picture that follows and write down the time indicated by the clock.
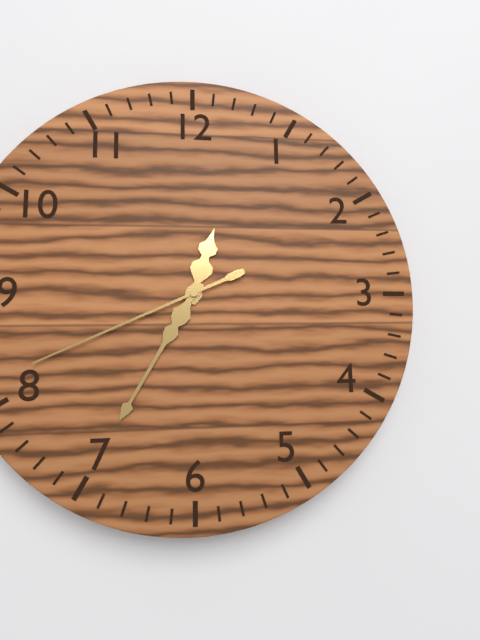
12:35:41
